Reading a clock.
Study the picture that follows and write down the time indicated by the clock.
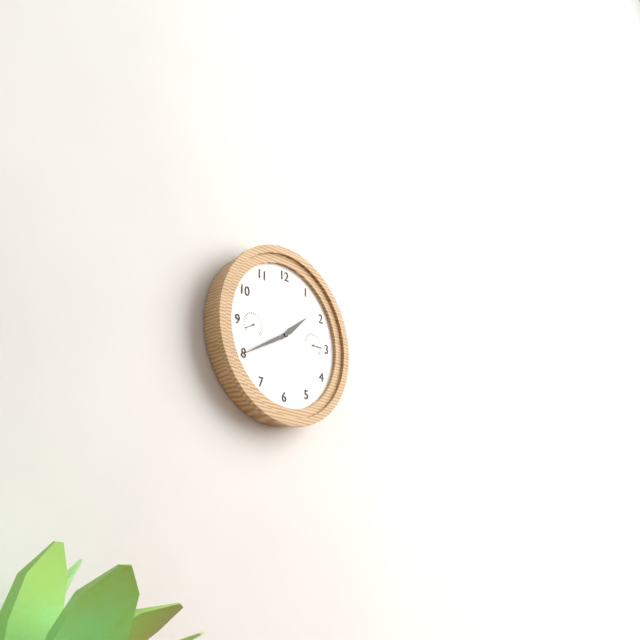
1:40
